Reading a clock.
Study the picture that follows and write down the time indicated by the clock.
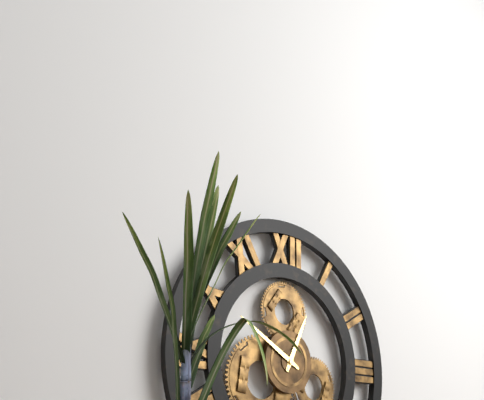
12:50
